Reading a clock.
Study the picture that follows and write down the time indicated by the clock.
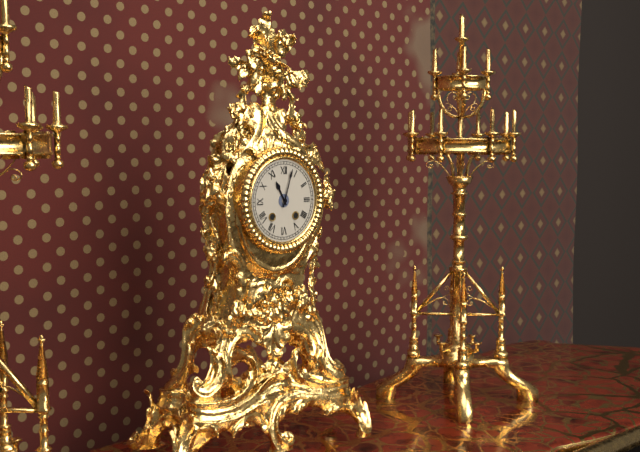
11:03
